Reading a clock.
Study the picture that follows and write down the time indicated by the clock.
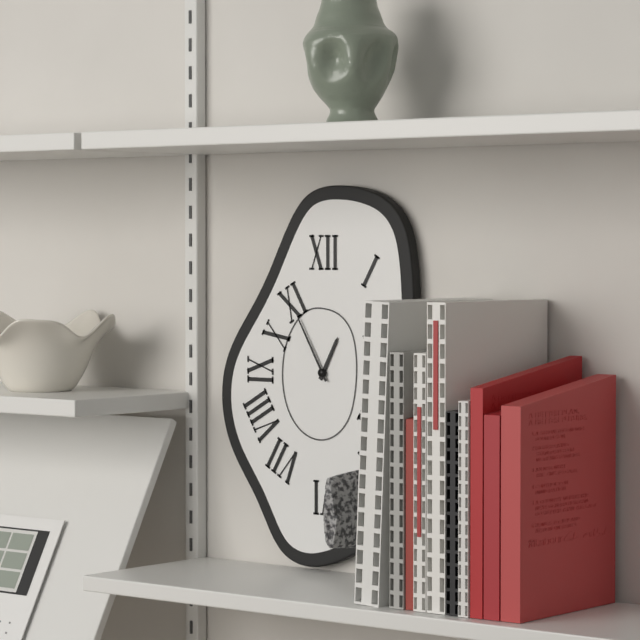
12:55
